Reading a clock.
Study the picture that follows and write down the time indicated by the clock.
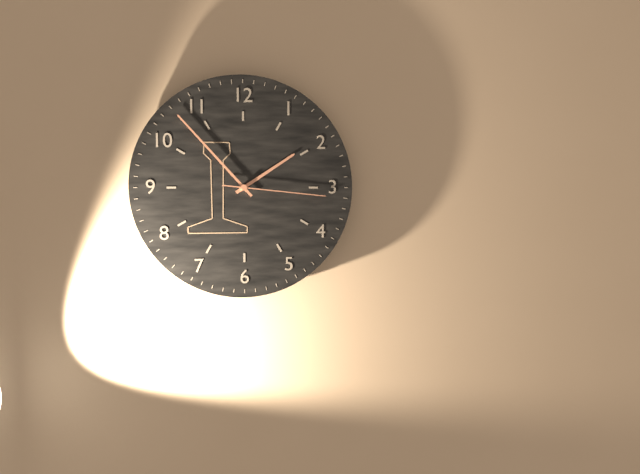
1:53:16
